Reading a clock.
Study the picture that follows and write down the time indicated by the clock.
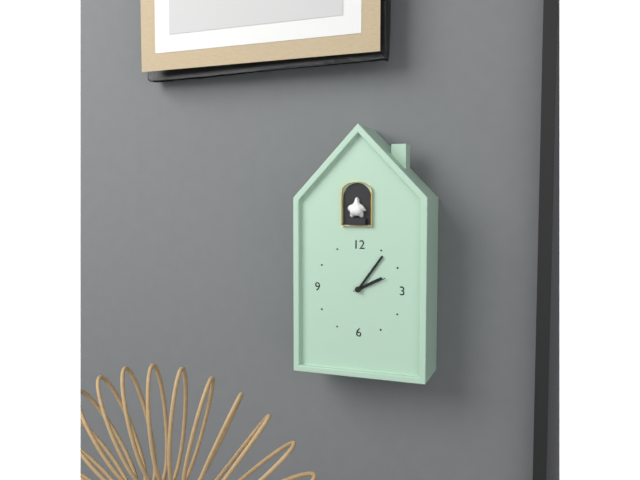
2:06
